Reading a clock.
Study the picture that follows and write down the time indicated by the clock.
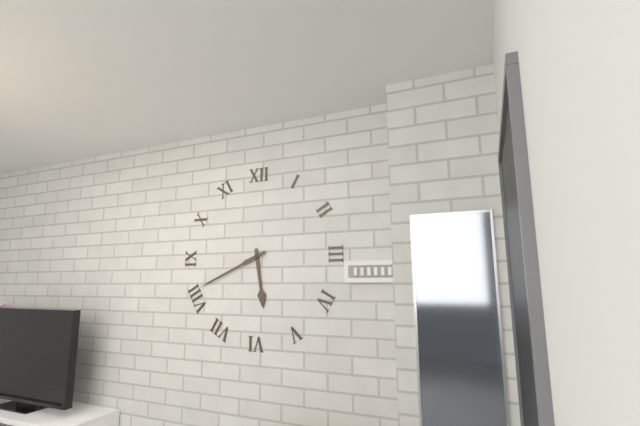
5:41
